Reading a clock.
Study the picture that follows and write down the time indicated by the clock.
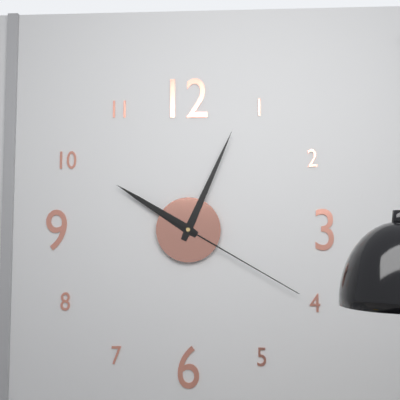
10:04:20
